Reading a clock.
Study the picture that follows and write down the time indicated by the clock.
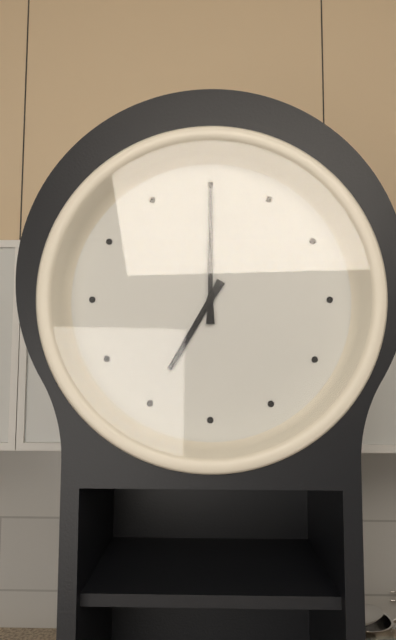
7:00
